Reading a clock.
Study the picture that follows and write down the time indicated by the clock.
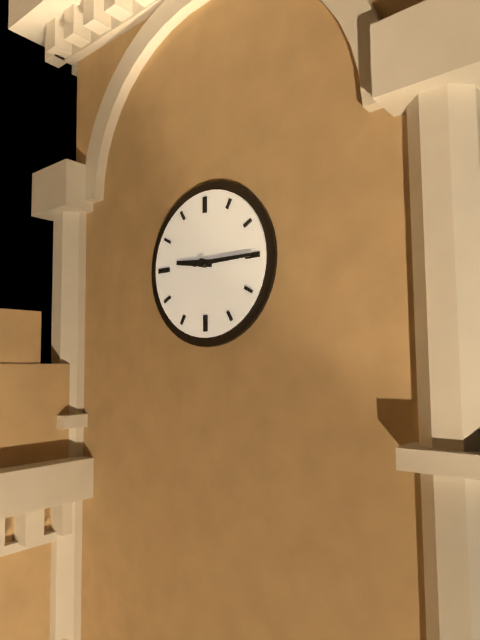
9:15
